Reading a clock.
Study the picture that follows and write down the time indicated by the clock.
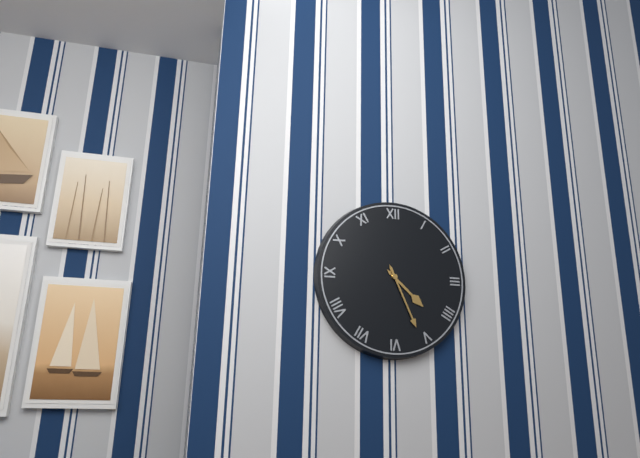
4:26
